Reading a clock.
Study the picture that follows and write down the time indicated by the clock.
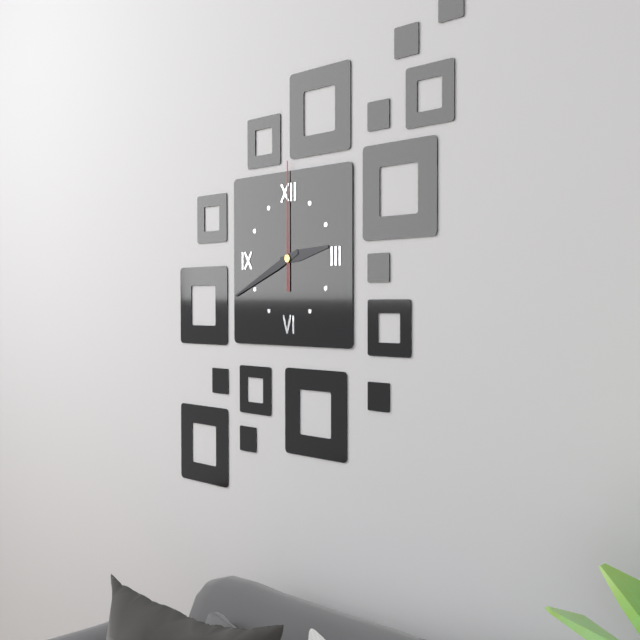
2:41:00
